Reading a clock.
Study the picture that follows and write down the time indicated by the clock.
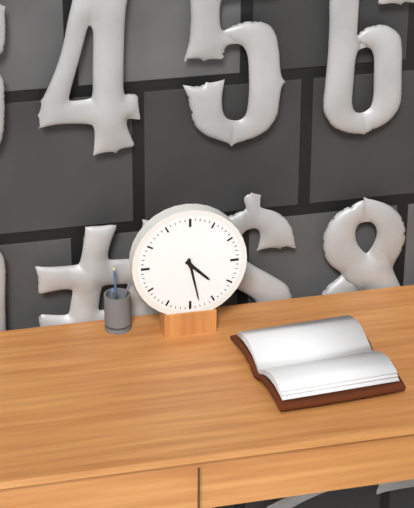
4:28
